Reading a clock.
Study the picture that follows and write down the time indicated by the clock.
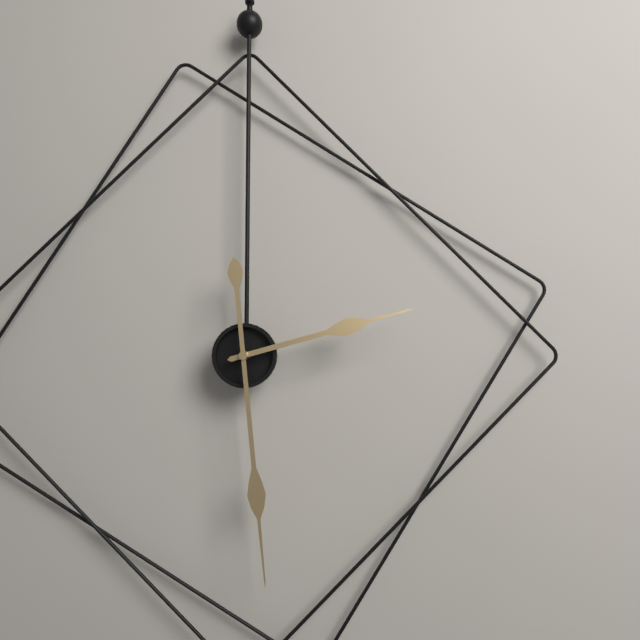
2:29
